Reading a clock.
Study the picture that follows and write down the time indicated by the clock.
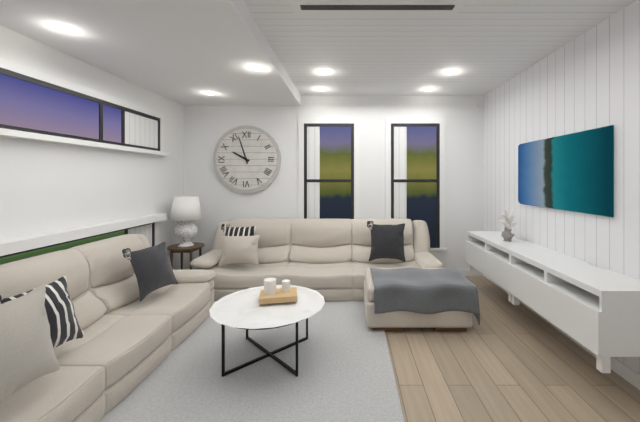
9:57
